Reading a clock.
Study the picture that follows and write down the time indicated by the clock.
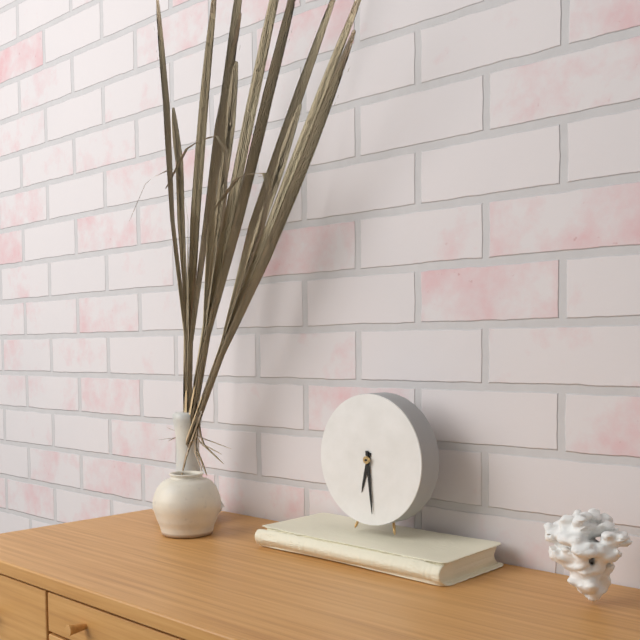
6:29
